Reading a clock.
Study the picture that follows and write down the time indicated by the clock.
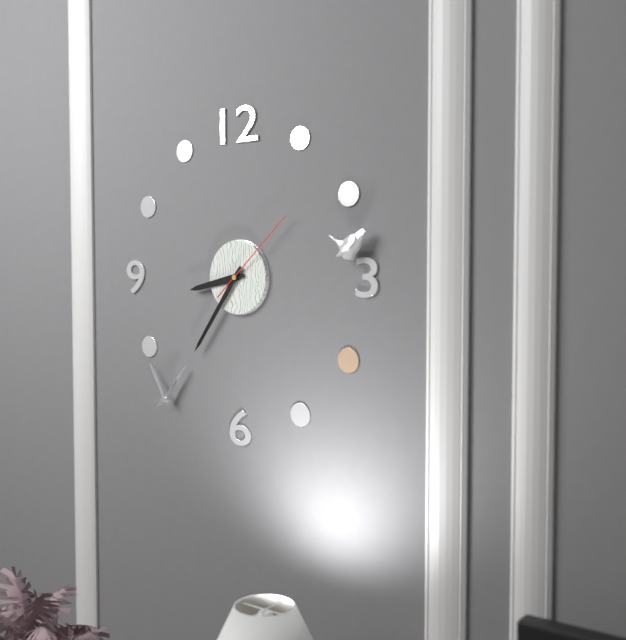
8:36:08
